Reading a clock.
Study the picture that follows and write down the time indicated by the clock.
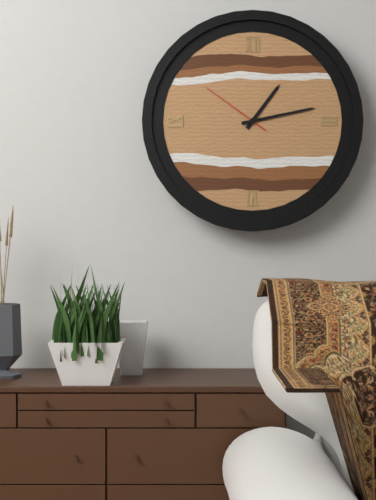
1:13:51
